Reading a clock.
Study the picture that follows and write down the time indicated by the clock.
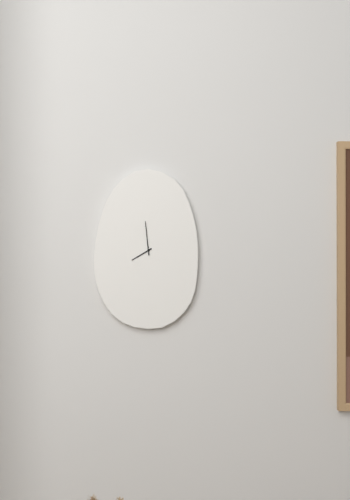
7:59
